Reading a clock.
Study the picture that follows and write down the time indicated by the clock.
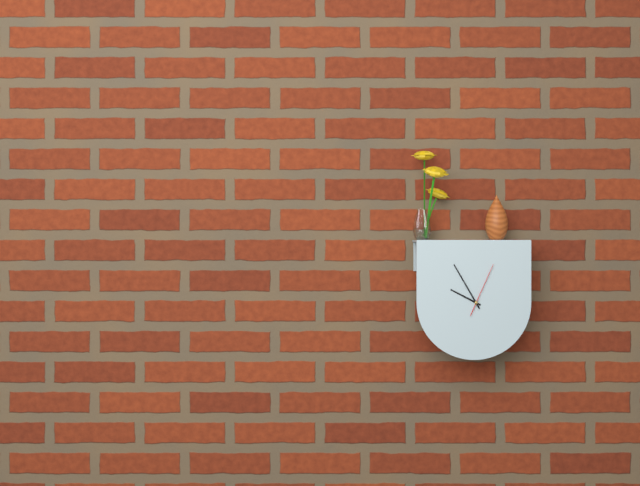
9:55:04
